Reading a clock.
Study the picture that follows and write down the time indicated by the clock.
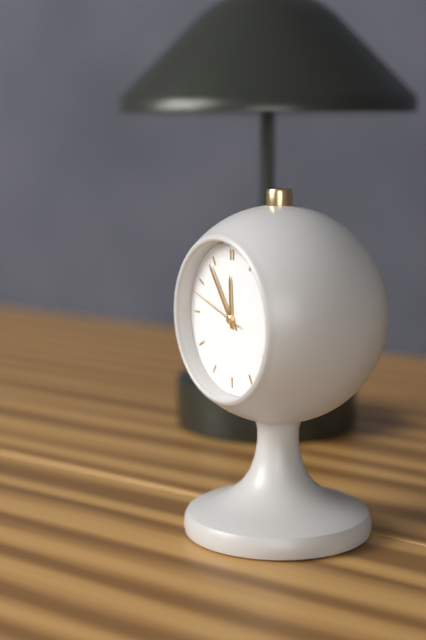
11:54:48
